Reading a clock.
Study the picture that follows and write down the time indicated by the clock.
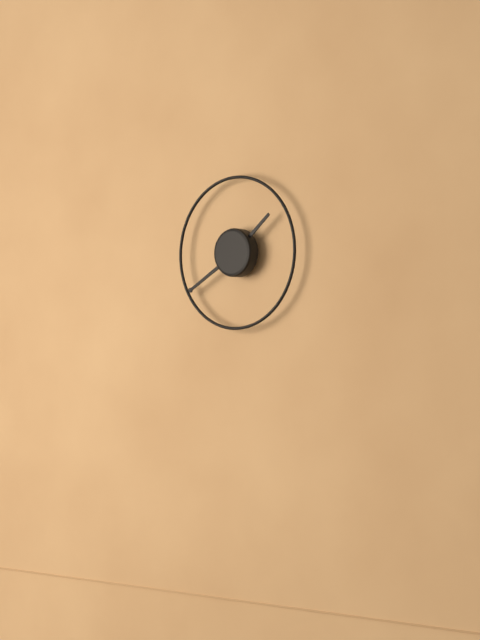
1:40
